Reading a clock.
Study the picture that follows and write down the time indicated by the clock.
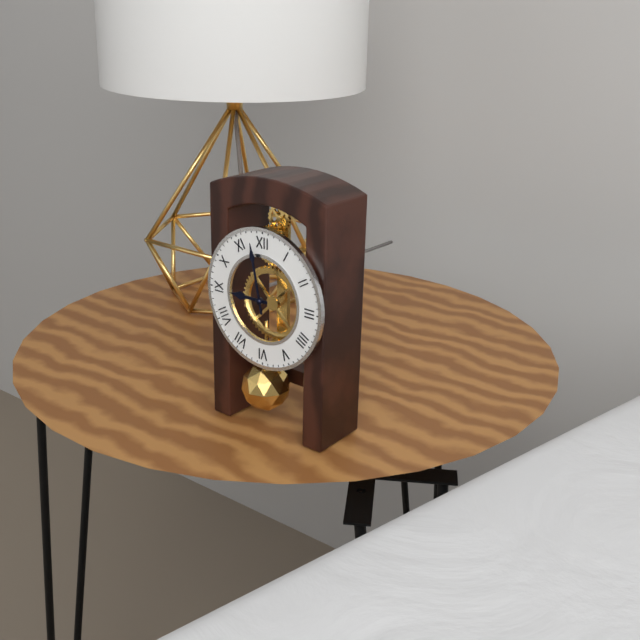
8:58
